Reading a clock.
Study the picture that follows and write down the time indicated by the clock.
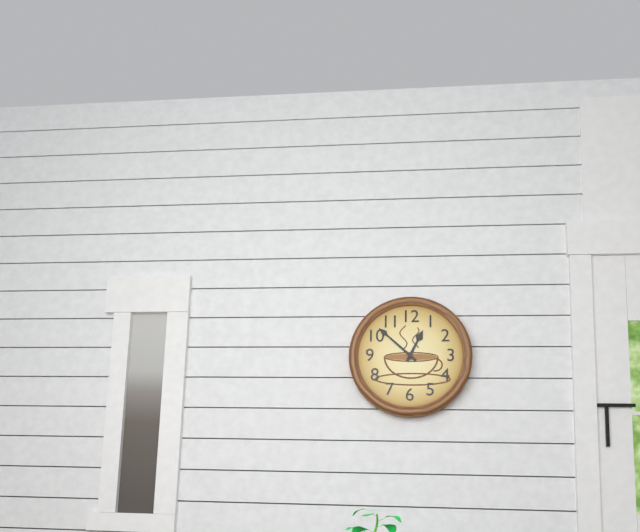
12:52
